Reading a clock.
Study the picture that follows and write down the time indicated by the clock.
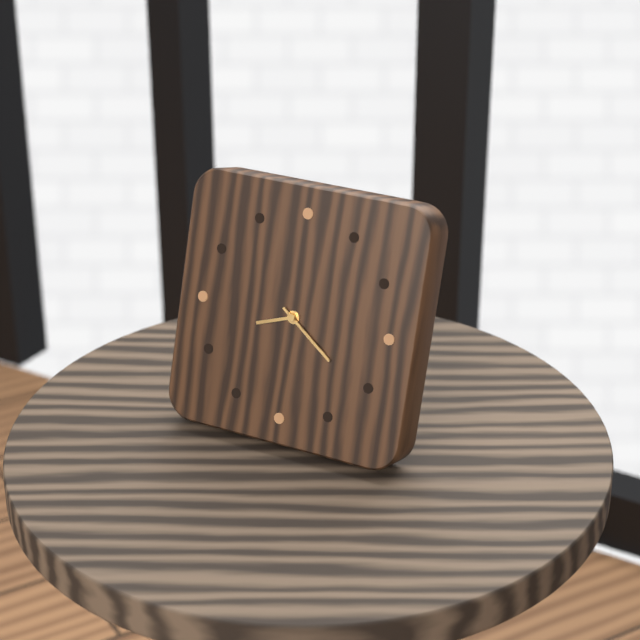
8:21
